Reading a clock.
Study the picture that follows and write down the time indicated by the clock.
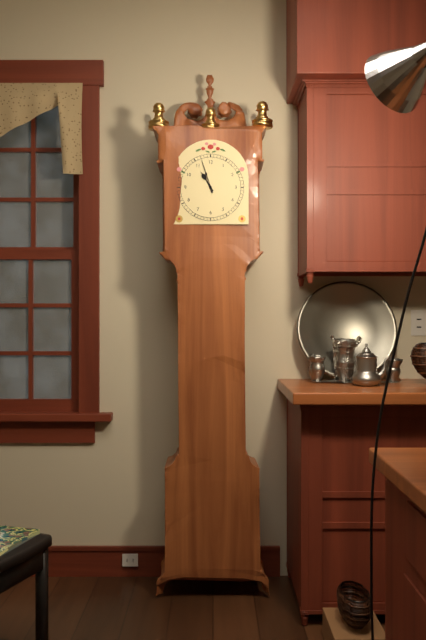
10:57
